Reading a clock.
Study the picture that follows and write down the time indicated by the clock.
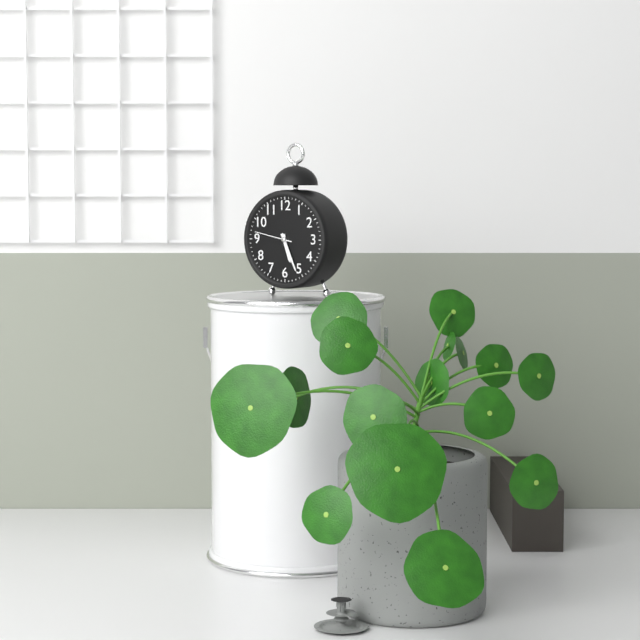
5:26
